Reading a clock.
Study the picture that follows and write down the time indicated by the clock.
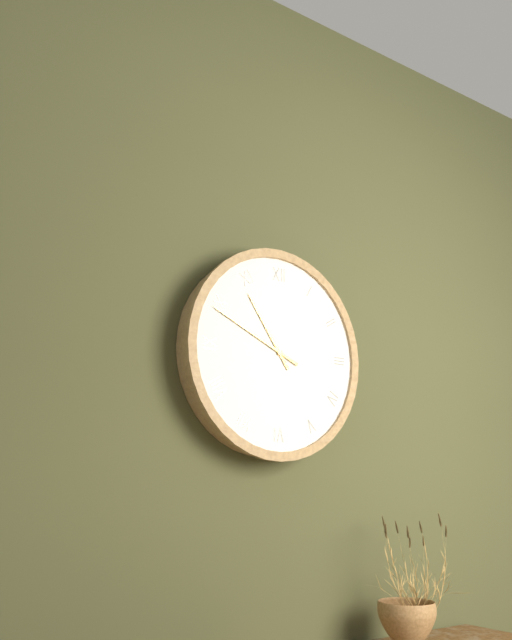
10:49
